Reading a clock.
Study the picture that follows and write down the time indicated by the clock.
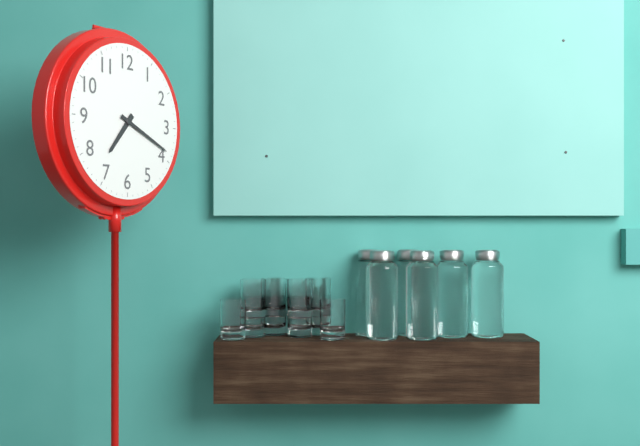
7:19
